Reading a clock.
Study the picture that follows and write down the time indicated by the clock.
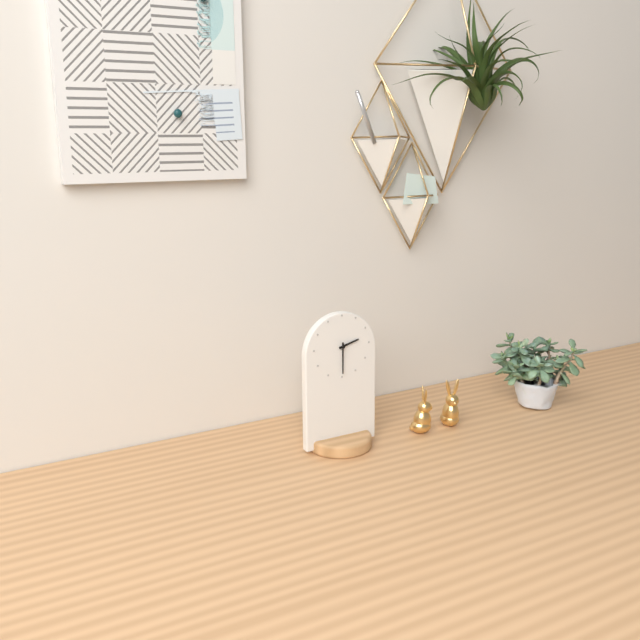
2:30
